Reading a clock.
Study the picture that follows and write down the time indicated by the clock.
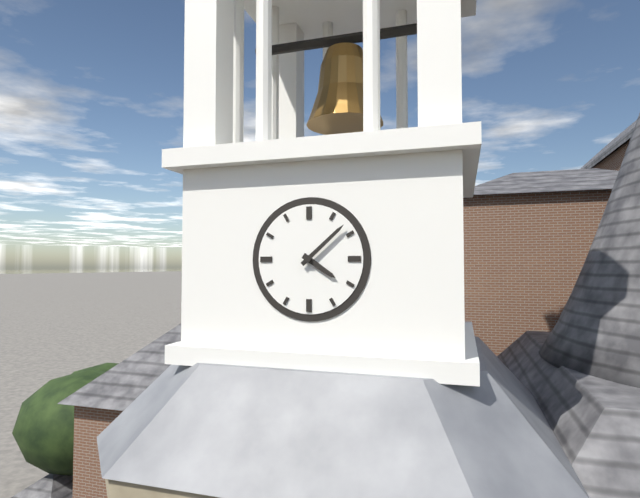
4:08
